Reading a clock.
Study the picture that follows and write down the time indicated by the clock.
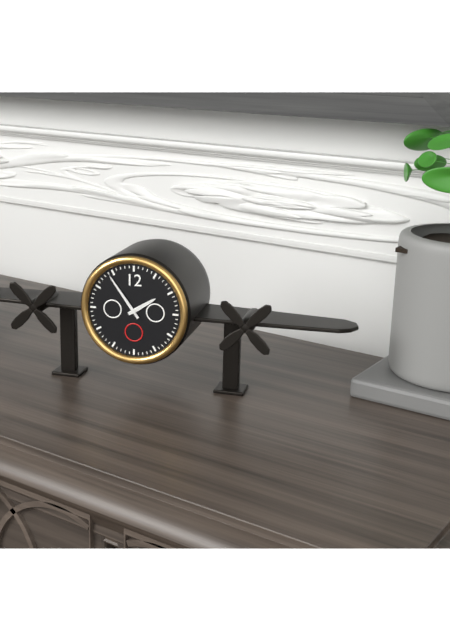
1:54
